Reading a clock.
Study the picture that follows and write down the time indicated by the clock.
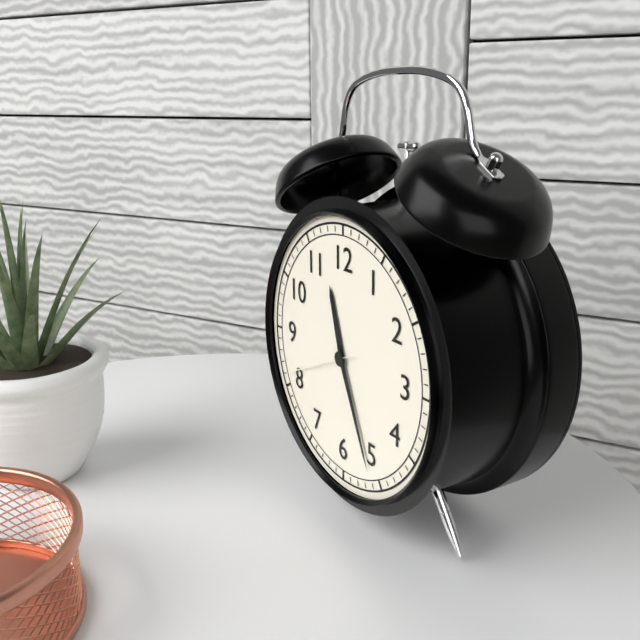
11:26:41
